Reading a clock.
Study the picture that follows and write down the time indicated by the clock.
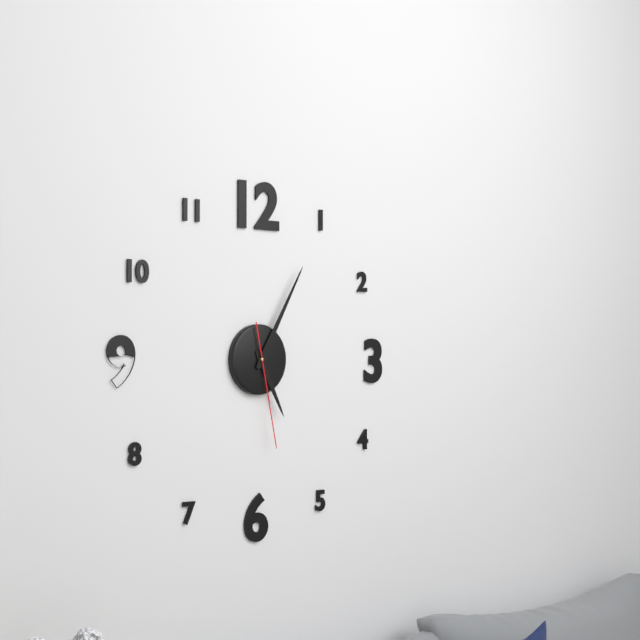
5:05:28
